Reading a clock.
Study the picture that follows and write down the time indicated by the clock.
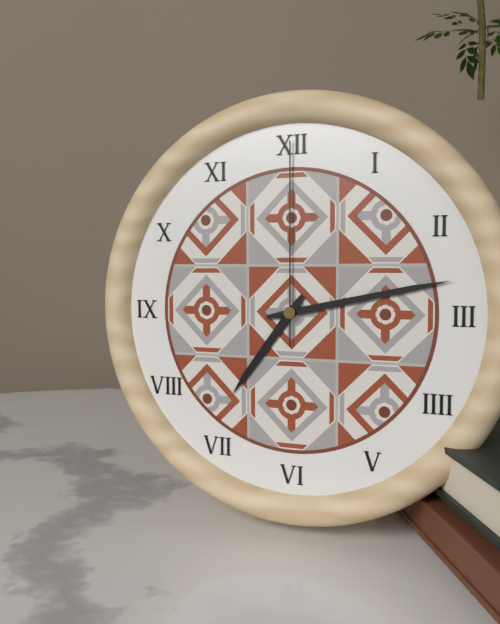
7:13:00
